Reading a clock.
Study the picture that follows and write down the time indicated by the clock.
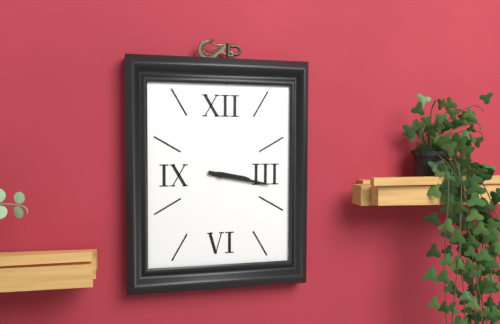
3:17
